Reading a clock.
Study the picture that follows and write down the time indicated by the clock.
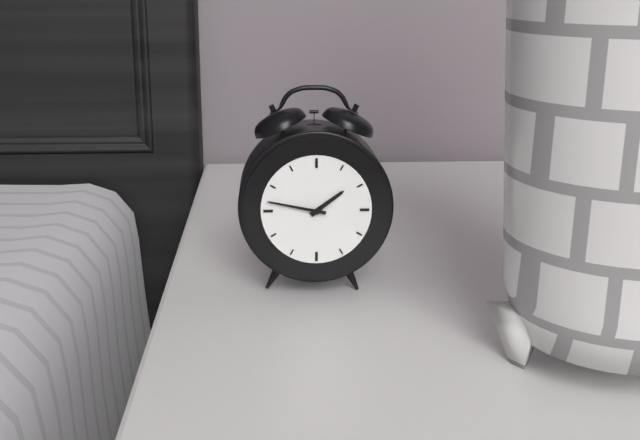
1:47
